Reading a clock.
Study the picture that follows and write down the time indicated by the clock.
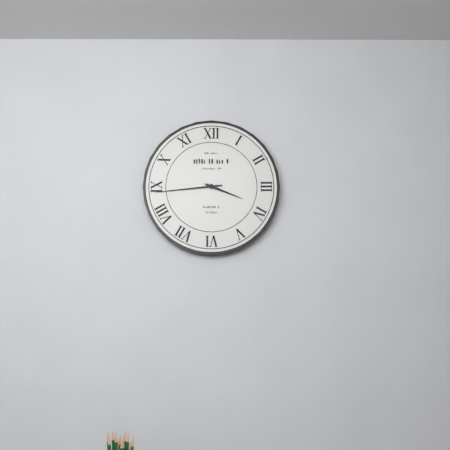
3:44
